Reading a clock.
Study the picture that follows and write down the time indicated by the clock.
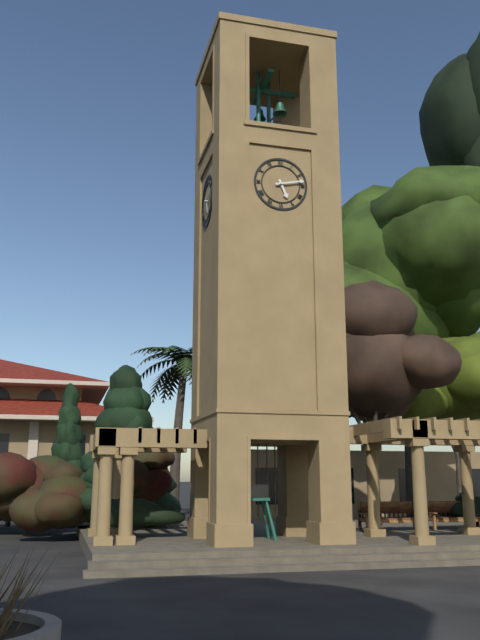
5:13
